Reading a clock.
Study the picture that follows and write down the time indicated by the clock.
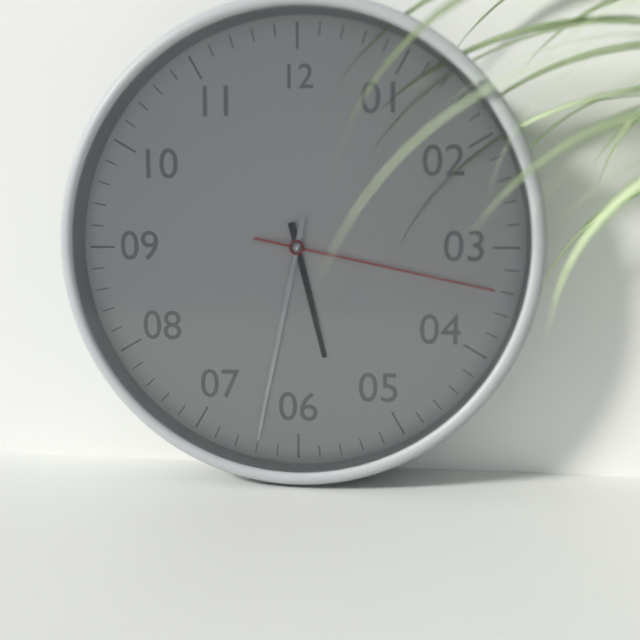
5:32:17
